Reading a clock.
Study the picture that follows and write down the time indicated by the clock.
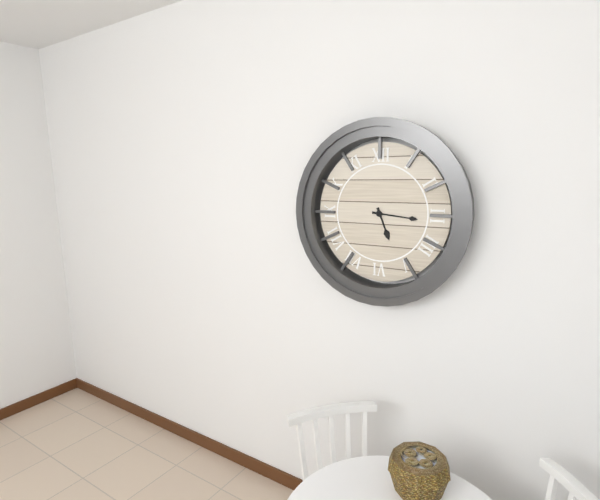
5:16
